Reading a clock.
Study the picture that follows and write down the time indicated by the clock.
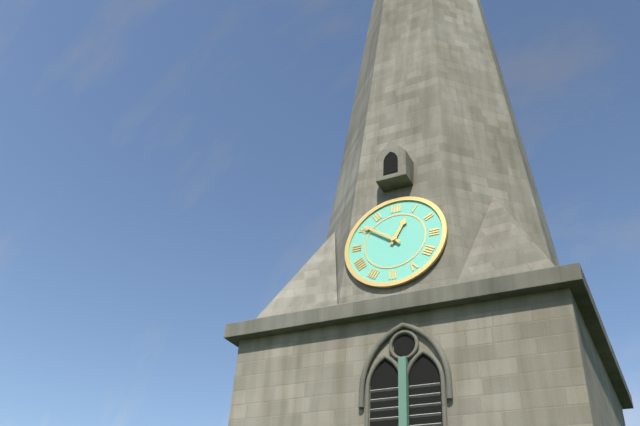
12:51
